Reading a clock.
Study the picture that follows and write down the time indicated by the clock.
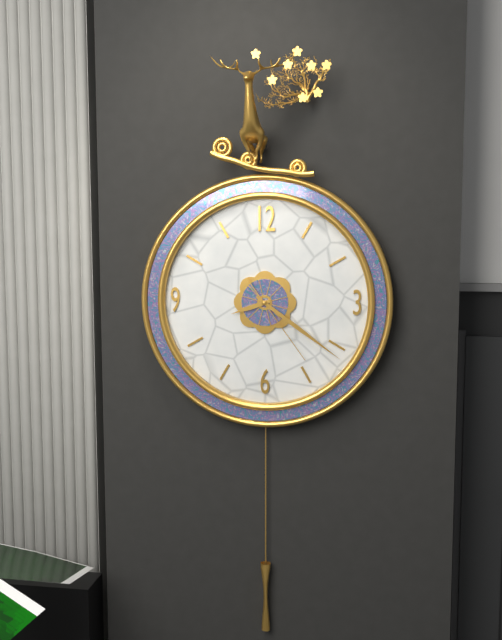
8:21:24
